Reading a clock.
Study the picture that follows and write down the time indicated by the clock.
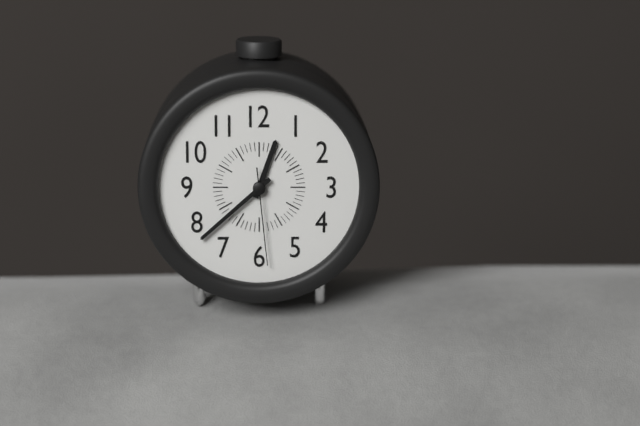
12:38:29
